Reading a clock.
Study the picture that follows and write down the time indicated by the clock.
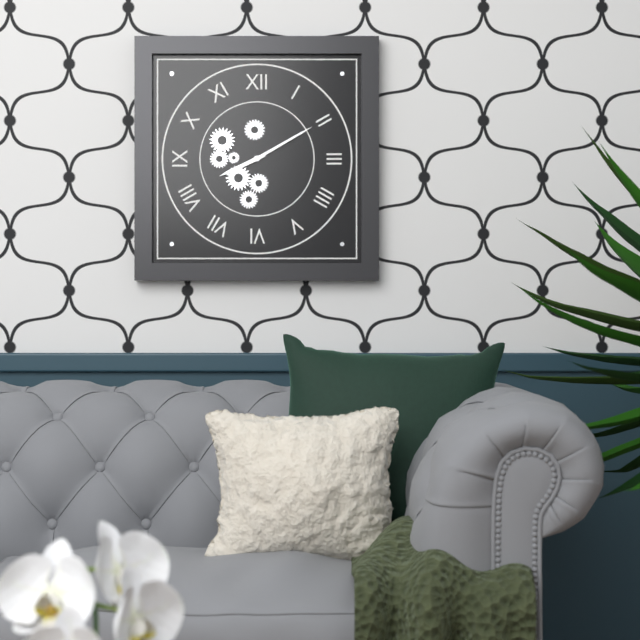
8:10
